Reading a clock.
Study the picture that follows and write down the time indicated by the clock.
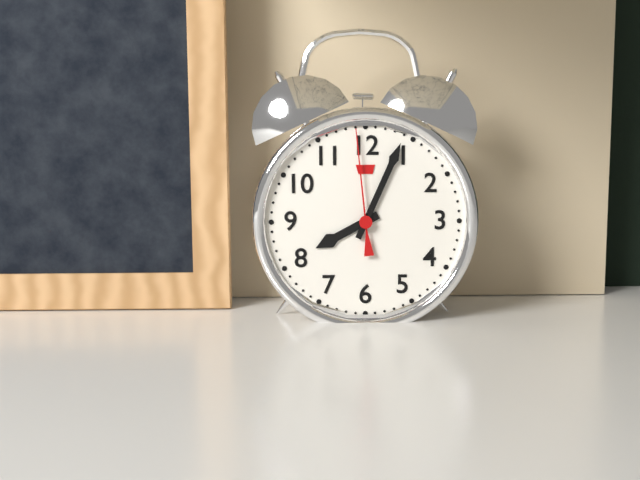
8:04:59
